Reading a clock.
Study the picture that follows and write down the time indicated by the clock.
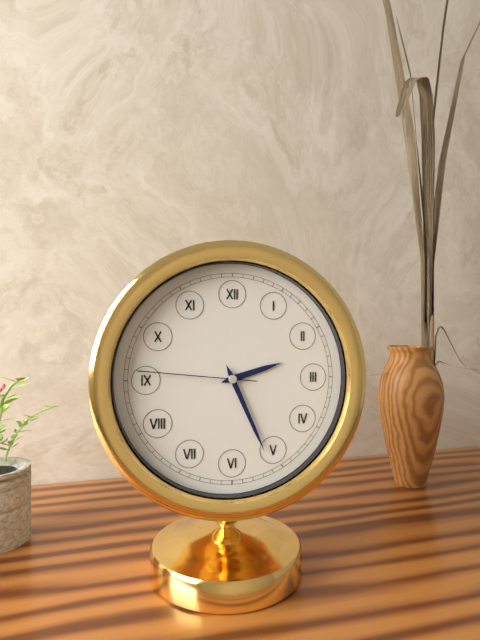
2:26:46
